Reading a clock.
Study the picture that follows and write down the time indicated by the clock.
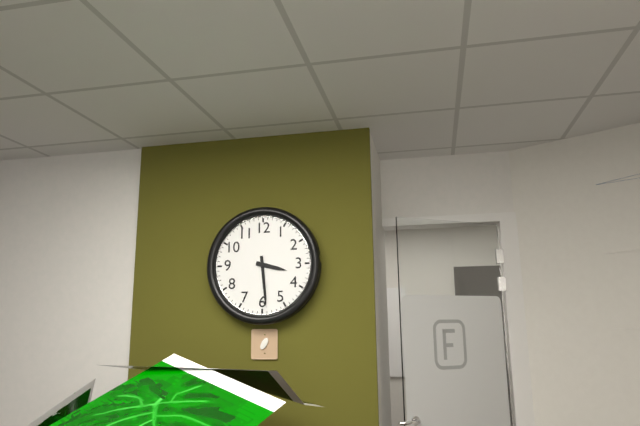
3:29
